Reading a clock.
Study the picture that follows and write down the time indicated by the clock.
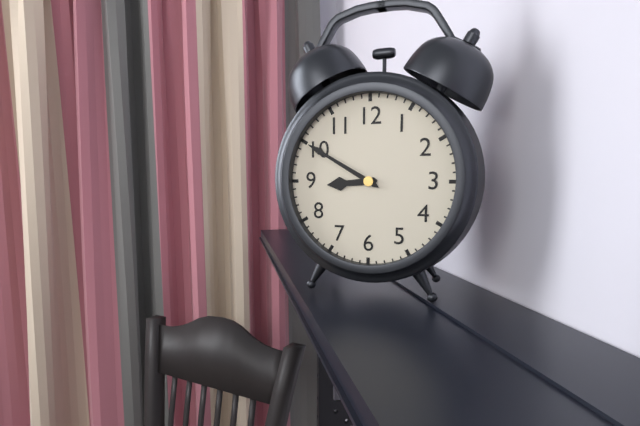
8:50
